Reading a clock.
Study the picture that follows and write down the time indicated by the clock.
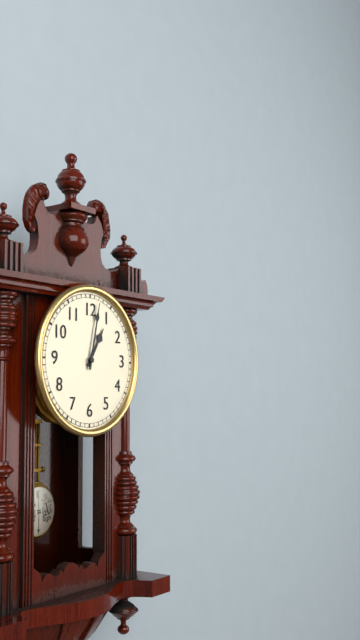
1:02
